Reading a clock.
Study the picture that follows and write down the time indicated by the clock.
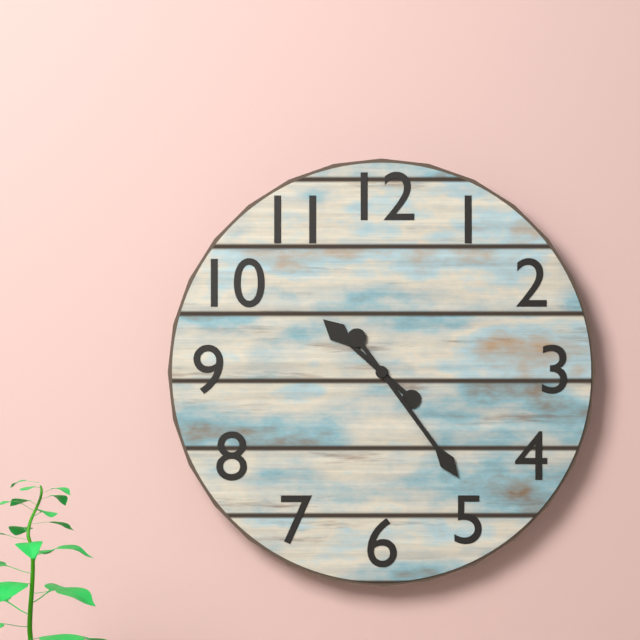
10:24
